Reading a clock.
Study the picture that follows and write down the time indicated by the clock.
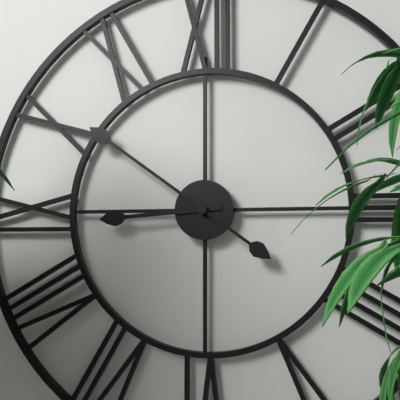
8:51
